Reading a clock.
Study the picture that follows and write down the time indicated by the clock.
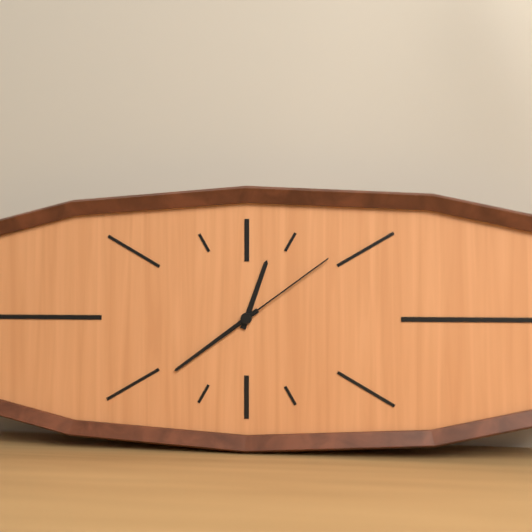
12:39:09
